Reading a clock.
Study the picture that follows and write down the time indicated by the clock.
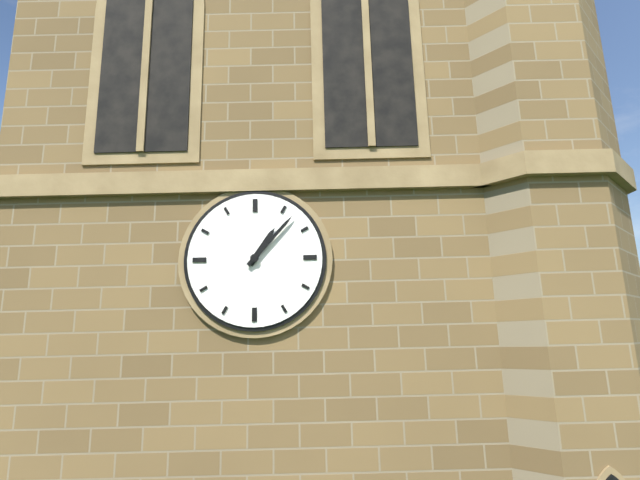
1:07
